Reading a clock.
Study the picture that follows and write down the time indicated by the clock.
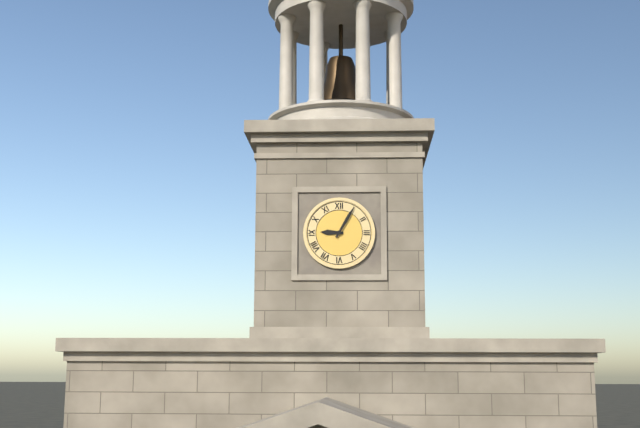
9:05
